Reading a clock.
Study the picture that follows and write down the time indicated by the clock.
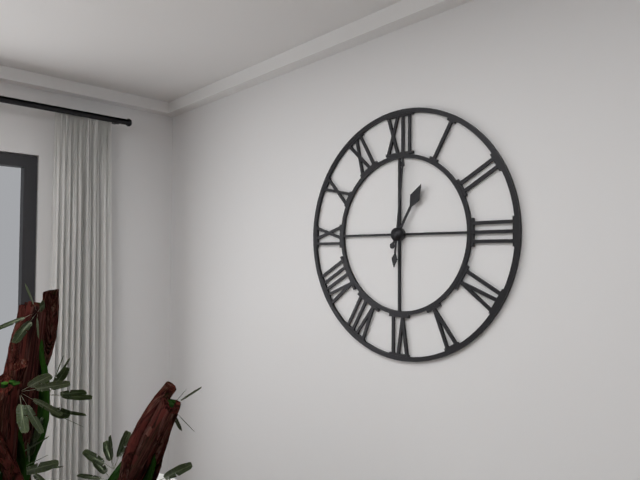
1:01
